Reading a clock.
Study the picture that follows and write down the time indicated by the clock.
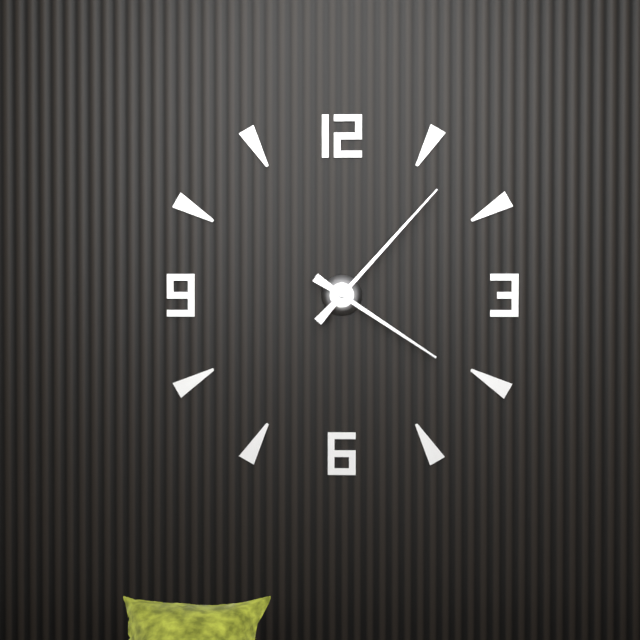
4:07
